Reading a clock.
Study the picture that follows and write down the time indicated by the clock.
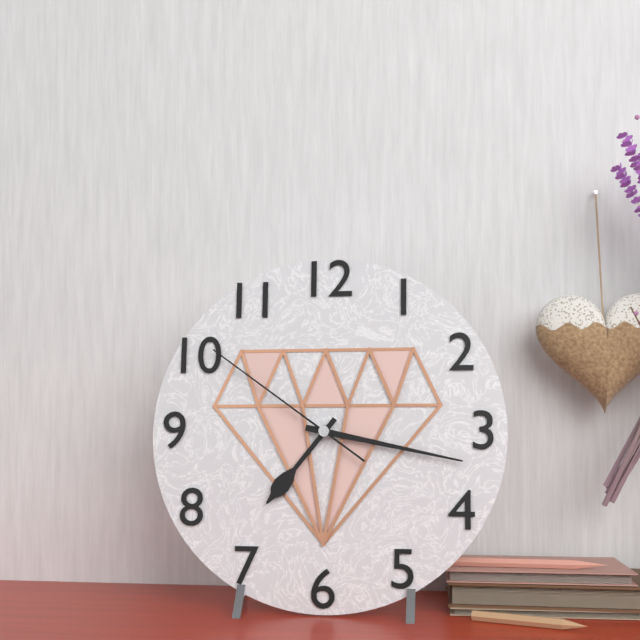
7:17:51
